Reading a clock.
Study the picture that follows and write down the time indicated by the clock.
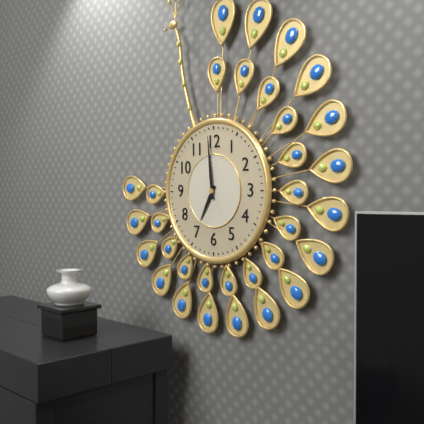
6:59
